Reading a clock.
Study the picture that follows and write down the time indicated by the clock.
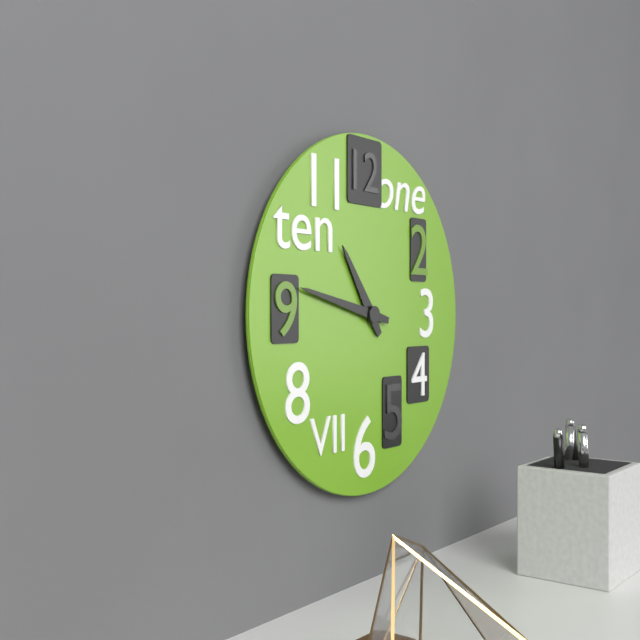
10:47
